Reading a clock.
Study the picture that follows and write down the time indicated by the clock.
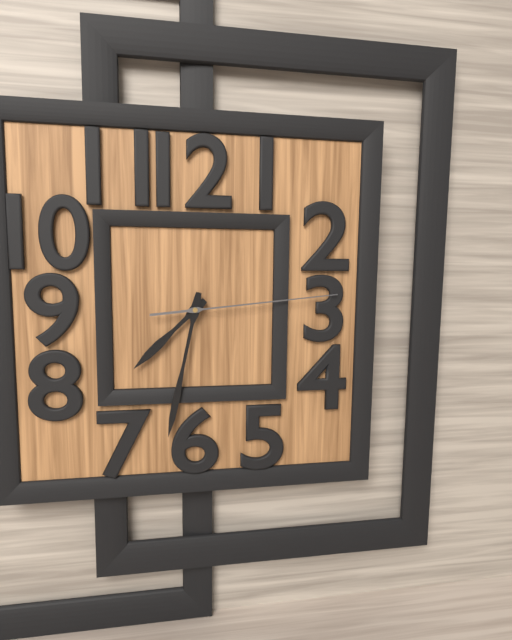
7:32:14
